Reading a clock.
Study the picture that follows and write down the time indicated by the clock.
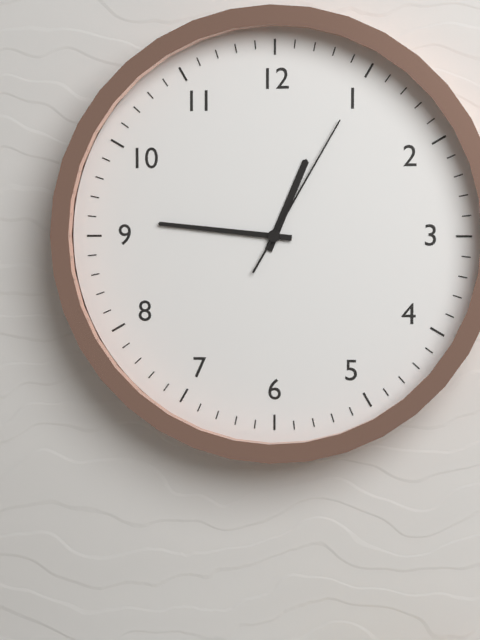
12:46:05
